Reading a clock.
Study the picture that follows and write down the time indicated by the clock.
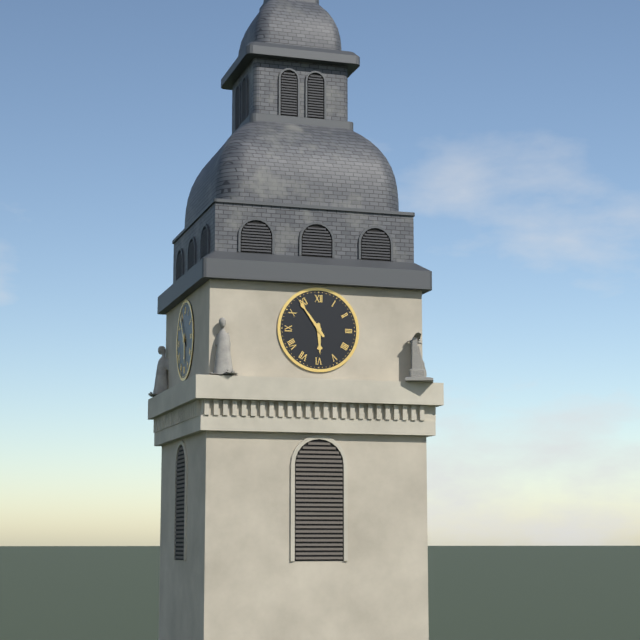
5:54
